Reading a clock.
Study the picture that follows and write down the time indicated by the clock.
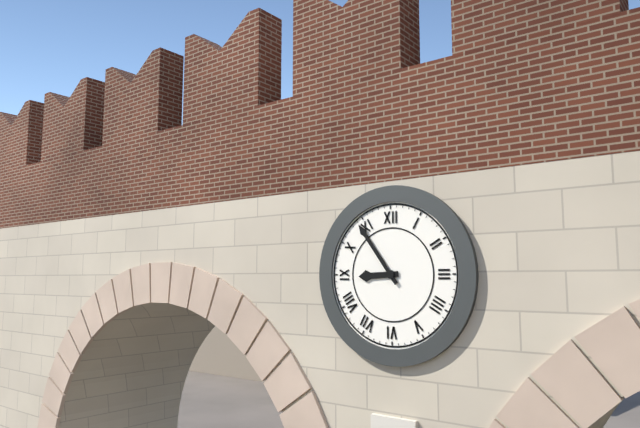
8:54
